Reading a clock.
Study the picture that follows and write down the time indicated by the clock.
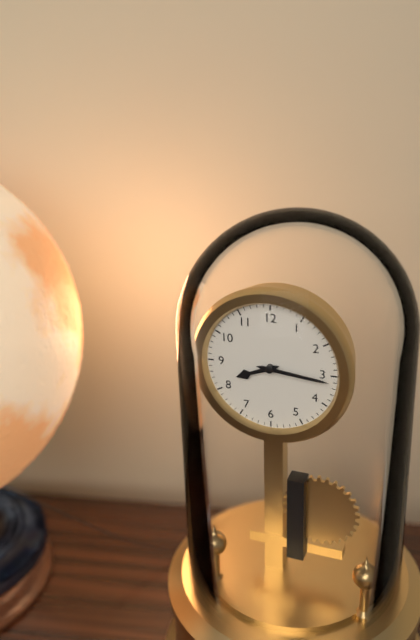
8:16
